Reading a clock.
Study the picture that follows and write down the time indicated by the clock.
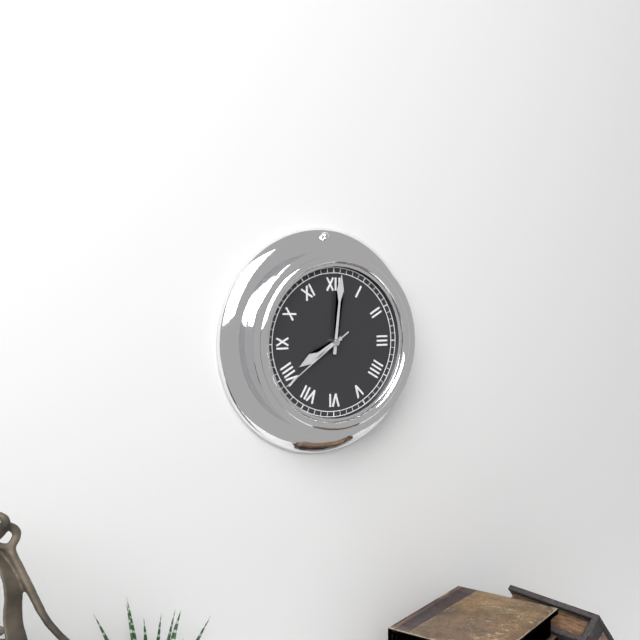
8:01:39
